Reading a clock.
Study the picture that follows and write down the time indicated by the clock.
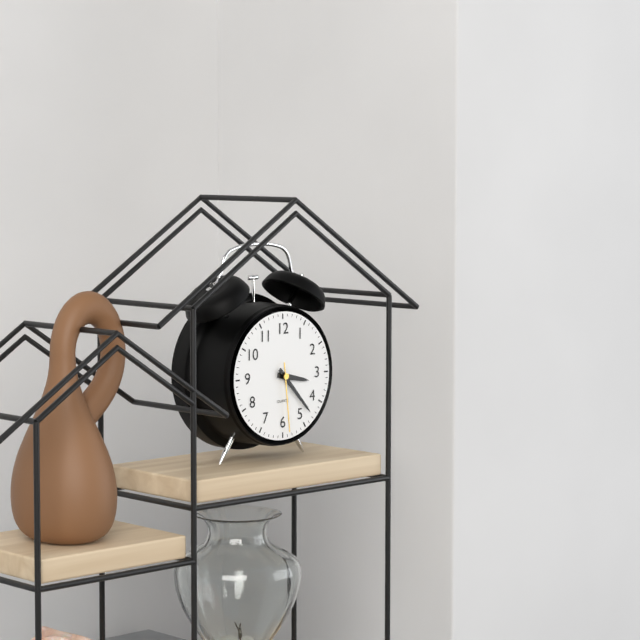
3:23:29
